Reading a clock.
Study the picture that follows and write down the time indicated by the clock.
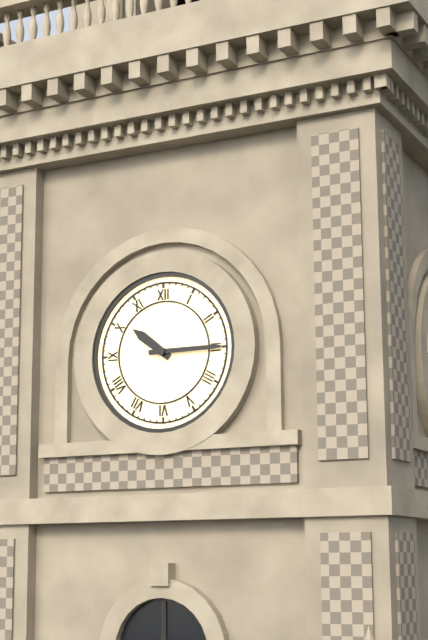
10:15
